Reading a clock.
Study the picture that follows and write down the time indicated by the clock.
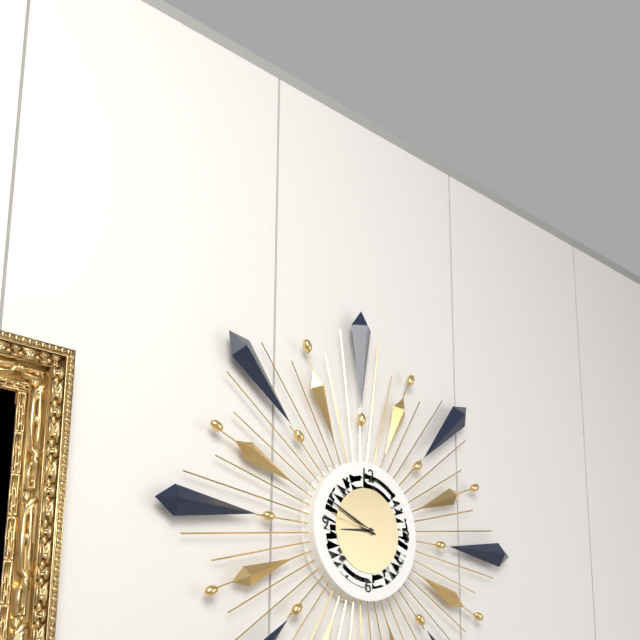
8:49
